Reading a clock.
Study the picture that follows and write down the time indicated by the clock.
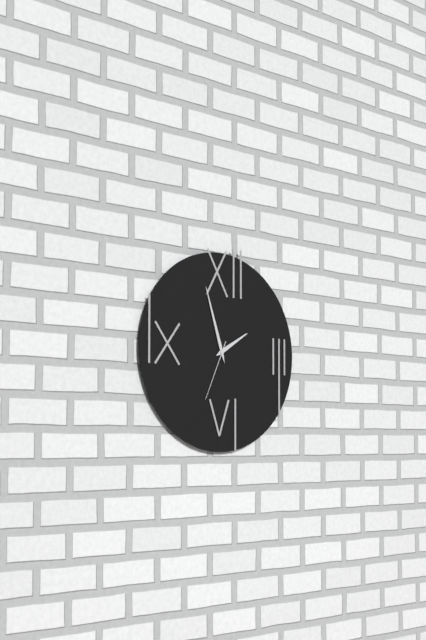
1:57:34
